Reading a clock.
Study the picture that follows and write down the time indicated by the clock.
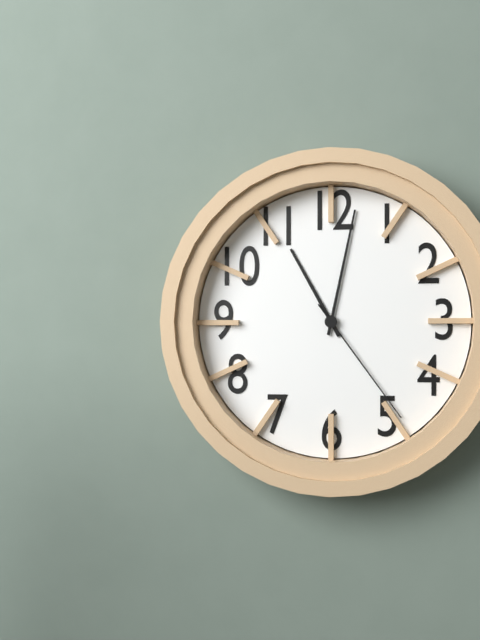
11:02:24
